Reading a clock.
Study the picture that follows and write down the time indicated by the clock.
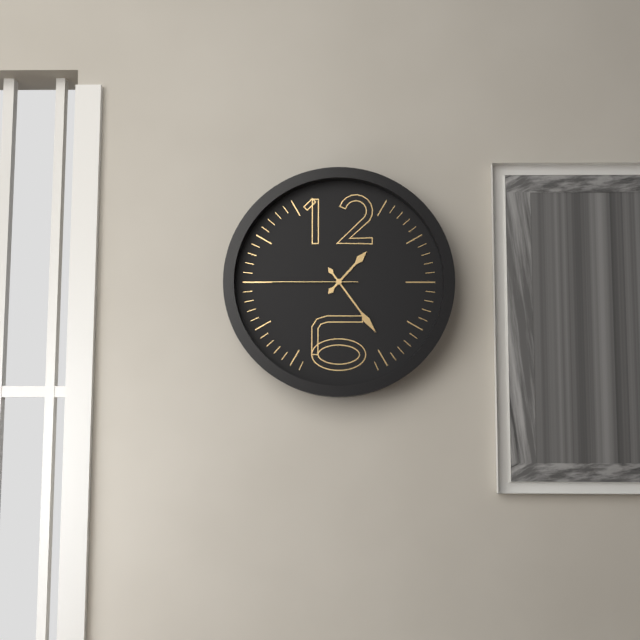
1:24:45
